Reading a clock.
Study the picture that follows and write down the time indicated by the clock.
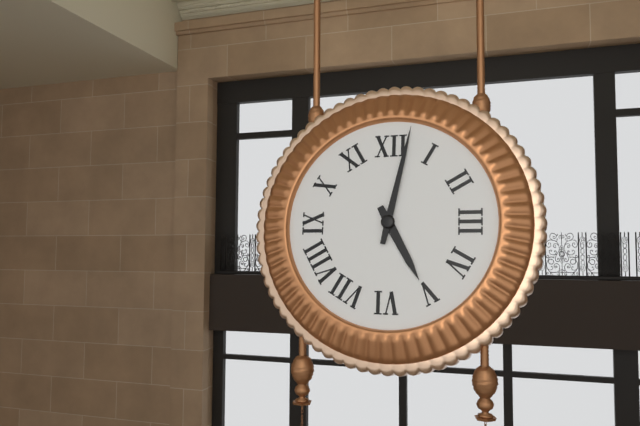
5:02
